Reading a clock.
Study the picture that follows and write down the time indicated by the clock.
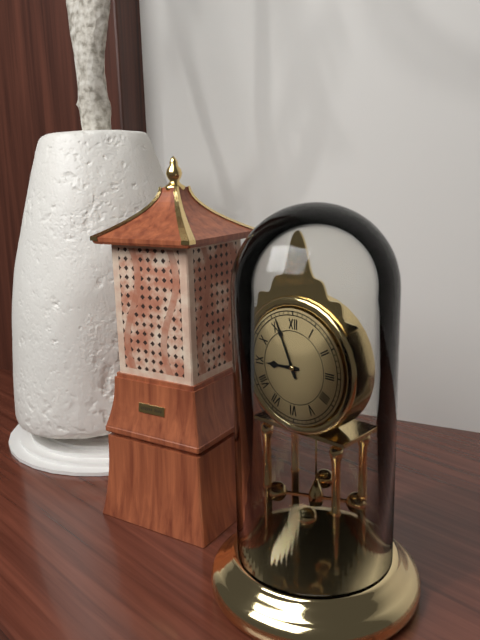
8:56
